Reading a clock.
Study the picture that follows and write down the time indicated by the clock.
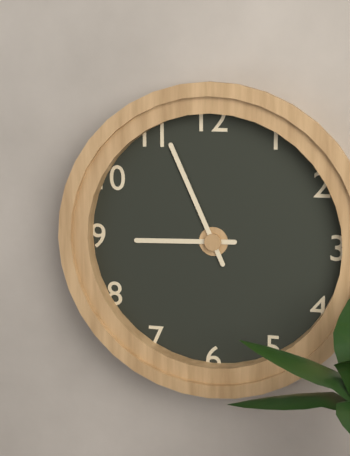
8:56
